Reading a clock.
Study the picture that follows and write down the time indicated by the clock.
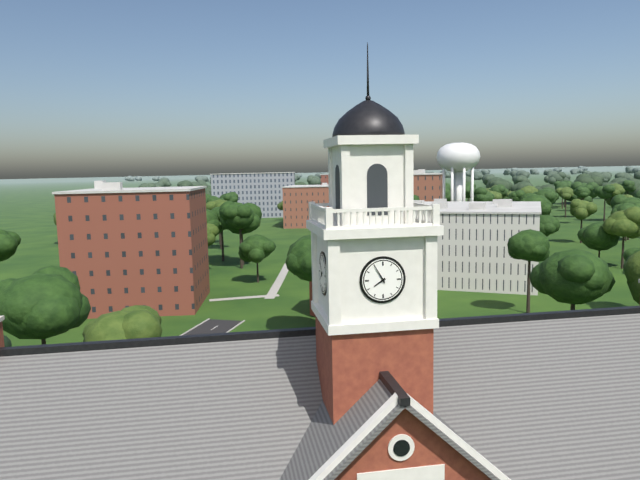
7:55
